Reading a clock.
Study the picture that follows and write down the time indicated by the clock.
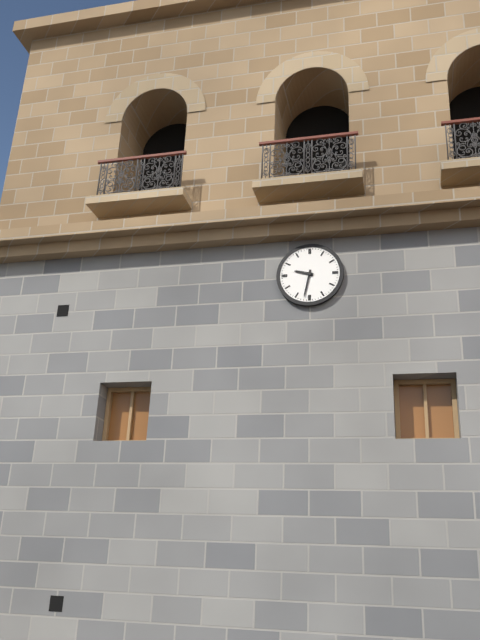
9:32
